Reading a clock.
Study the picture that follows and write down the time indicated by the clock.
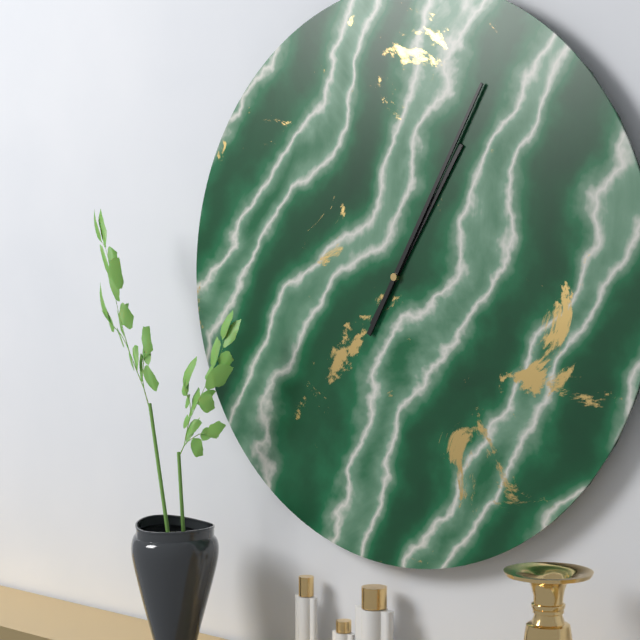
1:05
